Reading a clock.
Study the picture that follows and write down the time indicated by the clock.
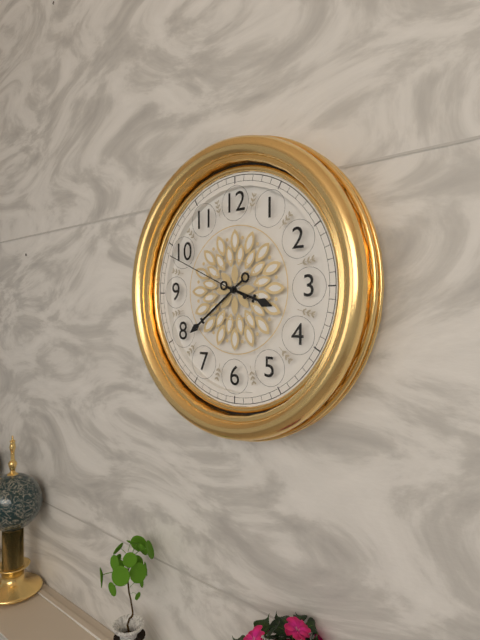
3:39:49
